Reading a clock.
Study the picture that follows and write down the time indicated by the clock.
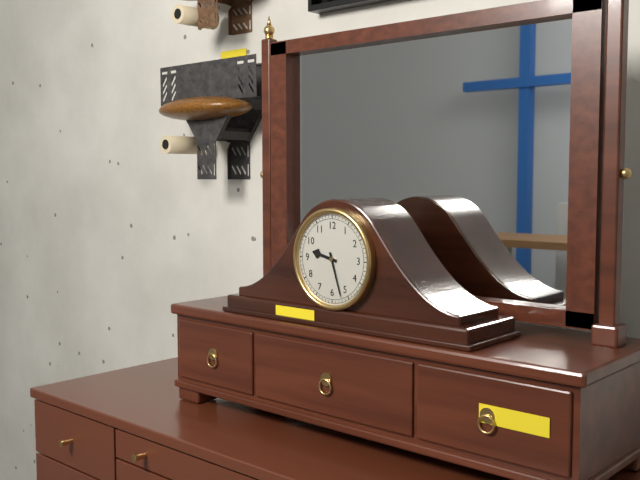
9:27
